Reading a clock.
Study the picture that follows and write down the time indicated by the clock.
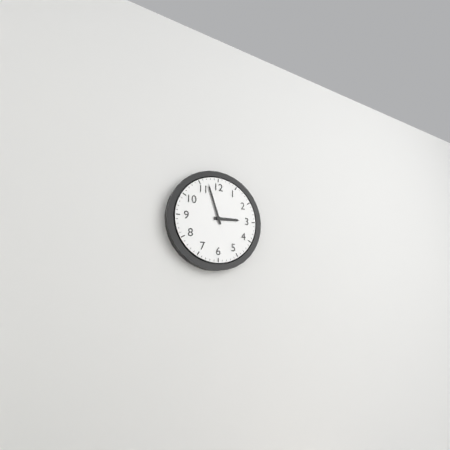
2:57
